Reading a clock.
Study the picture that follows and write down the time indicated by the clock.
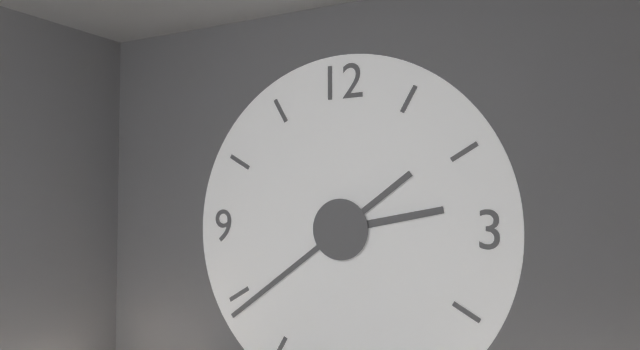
2:39
